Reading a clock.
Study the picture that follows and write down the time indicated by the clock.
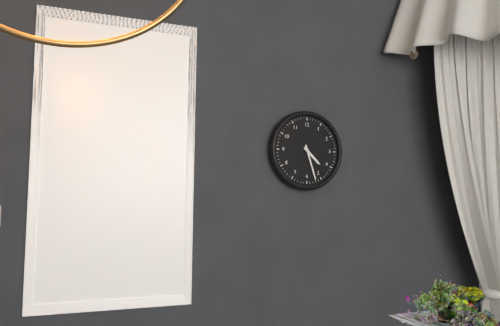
4:27
